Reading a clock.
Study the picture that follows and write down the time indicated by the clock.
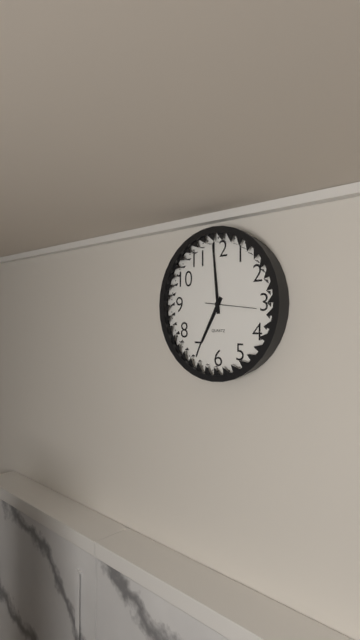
6:59
